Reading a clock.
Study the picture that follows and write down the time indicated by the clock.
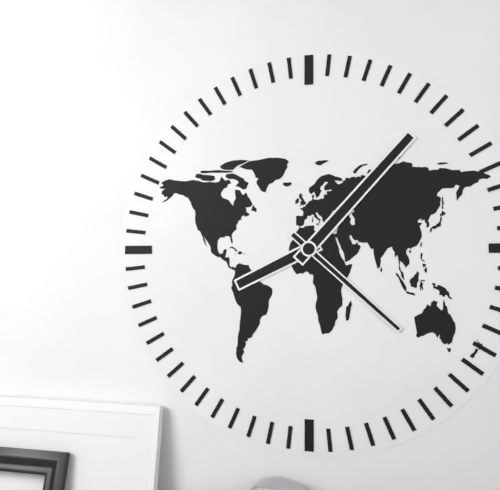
8:07:22
